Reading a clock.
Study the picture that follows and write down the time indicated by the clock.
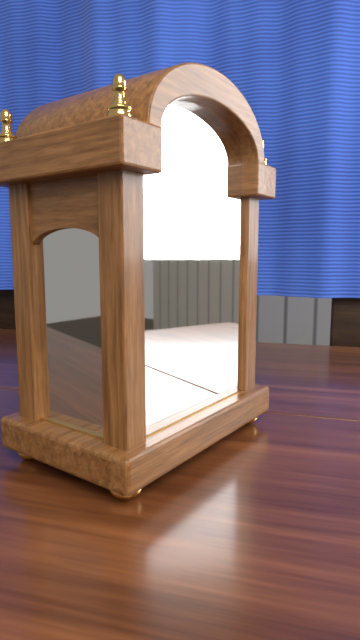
10:18
